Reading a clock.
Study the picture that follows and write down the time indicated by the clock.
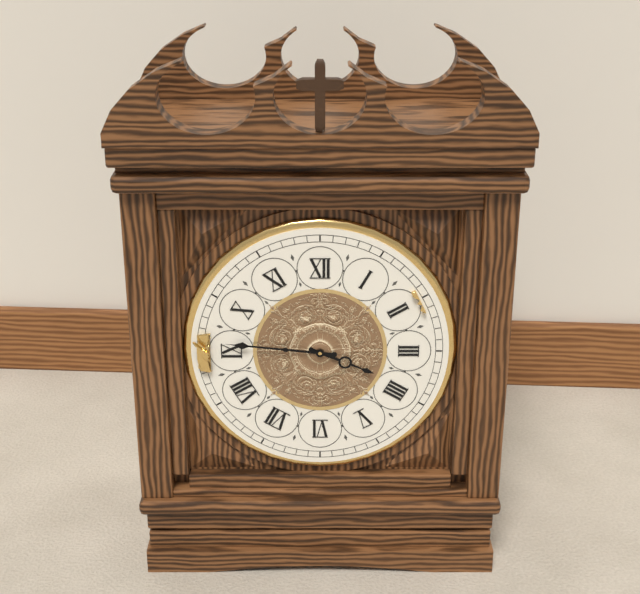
3:46
